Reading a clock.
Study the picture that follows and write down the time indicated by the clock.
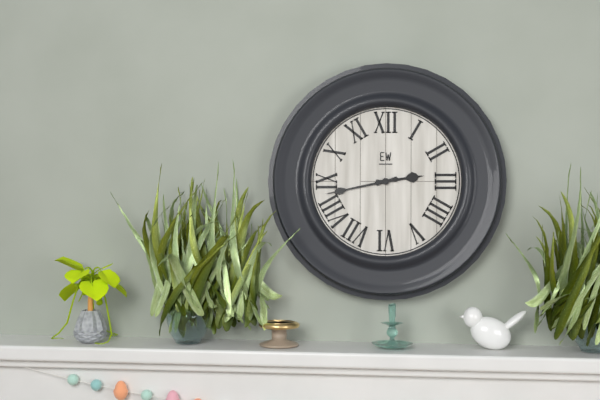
2:43
